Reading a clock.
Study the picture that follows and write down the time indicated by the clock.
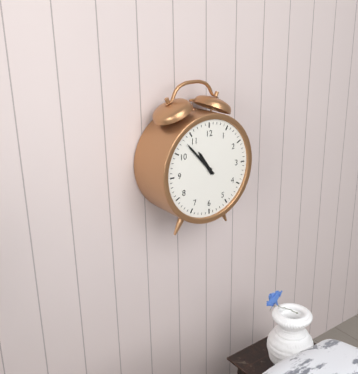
10:53
